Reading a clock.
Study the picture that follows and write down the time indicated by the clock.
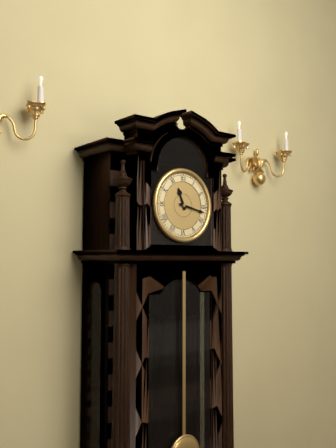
11:17
